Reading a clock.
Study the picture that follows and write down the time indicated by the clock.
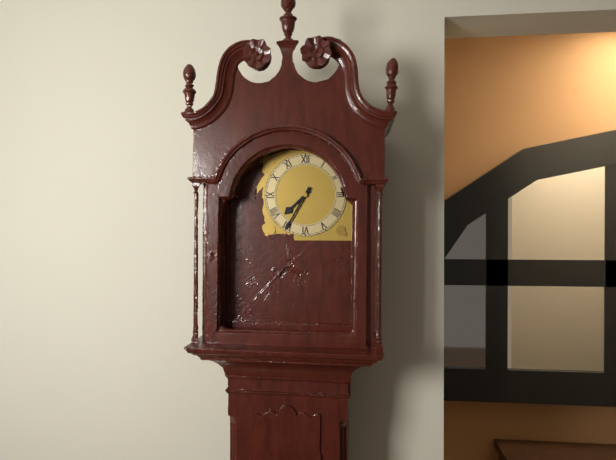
7:35
